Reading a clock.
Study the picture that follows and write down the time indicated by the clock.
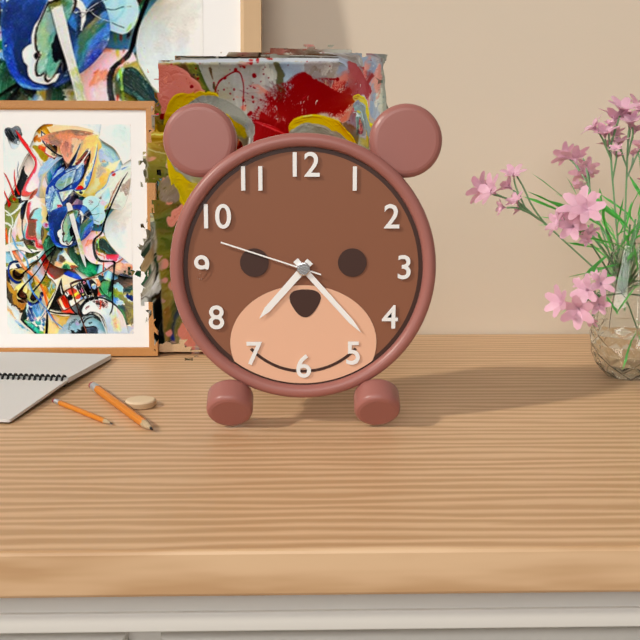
7:23:48
